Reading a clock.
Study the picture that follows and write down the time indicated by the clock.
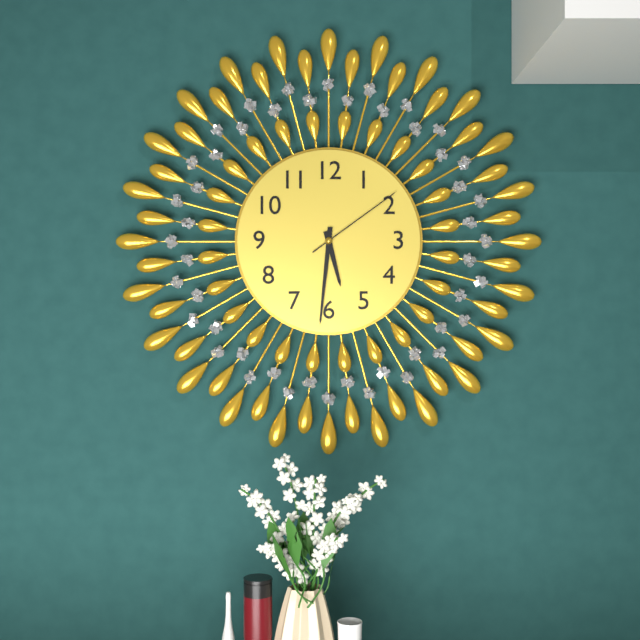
5:31:09
